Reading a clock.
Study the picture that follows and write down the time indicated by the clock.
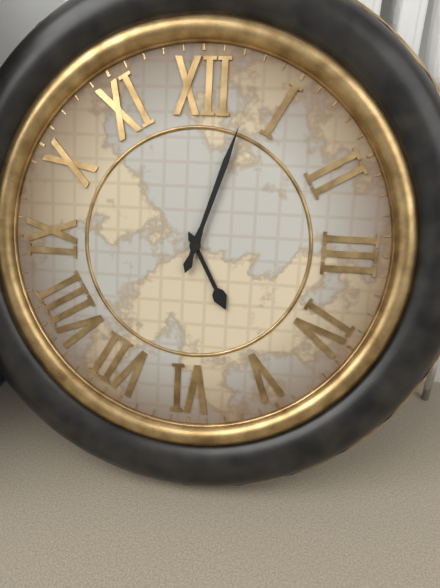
5:03
